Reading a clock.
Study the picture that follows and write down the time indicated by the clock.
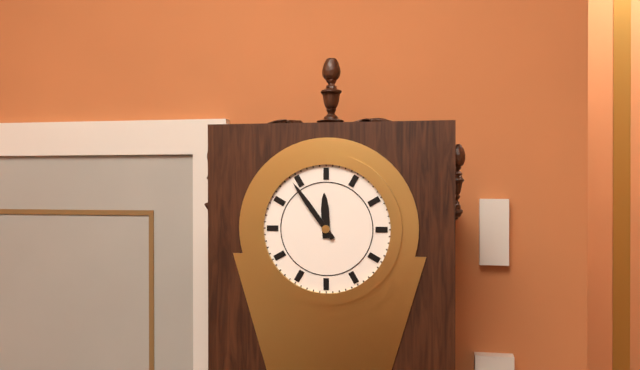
11:54
